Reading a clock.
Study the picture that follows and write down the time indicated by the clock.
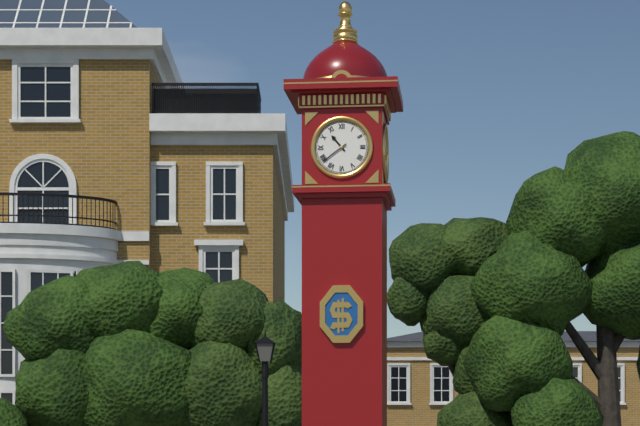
10:39
